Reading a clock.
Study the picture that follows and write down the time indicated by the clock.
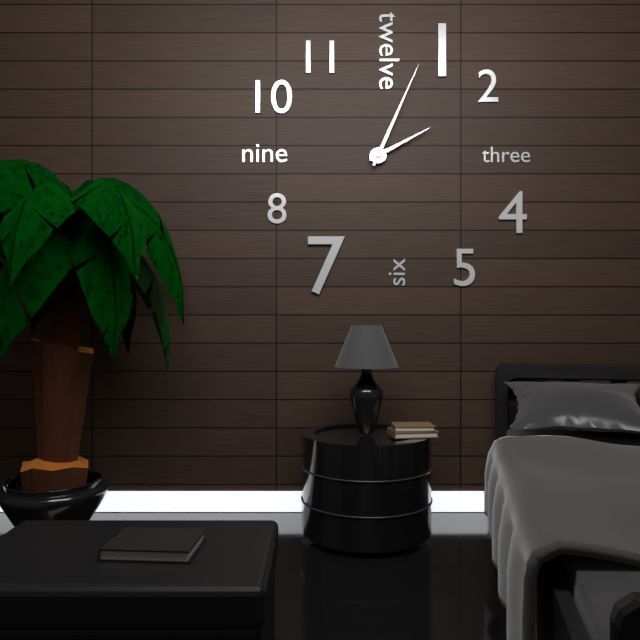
2:04
